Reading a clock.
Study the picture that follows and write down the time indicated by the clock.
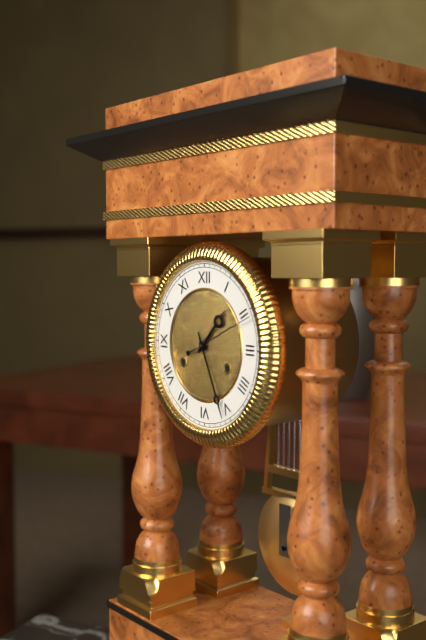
1:26:11
